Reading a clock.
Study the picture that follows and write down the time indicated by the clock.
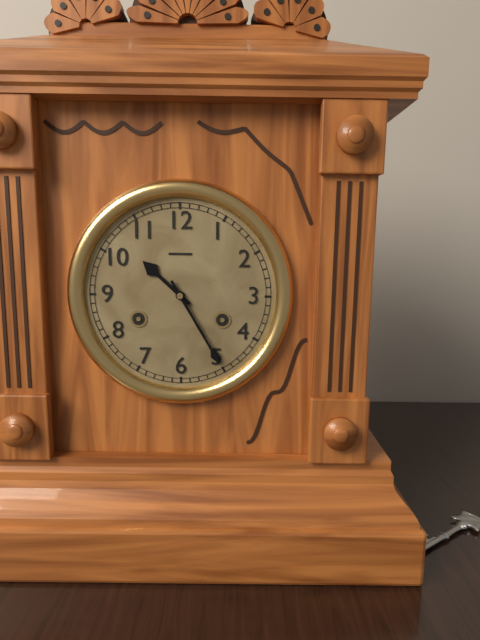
10:25
